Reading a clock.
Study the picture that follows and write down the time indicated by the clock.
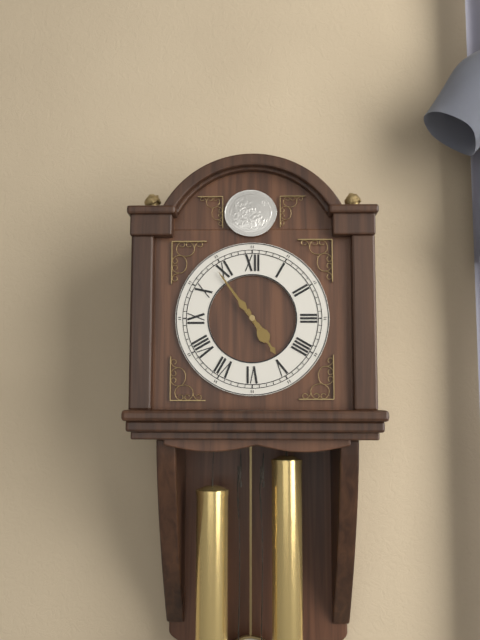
4:54
